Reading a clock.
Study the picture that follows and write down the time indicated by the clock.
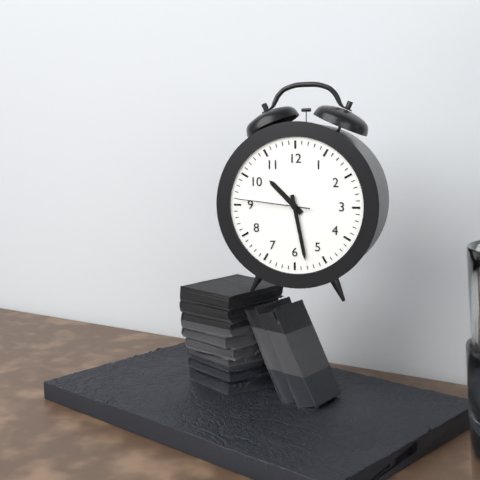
10:28:46
